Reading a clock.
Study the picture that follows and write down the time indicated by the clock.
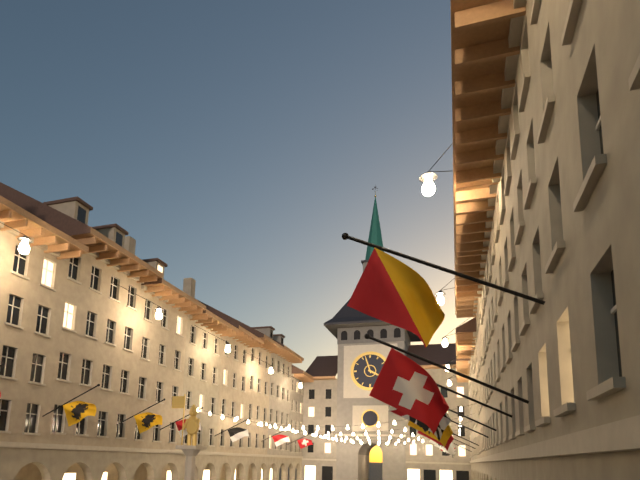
3:57
